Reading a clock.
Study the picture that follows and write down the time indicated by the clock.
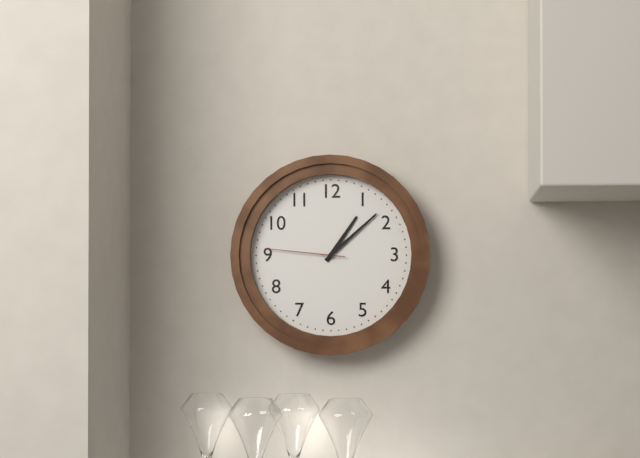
1:08:46
